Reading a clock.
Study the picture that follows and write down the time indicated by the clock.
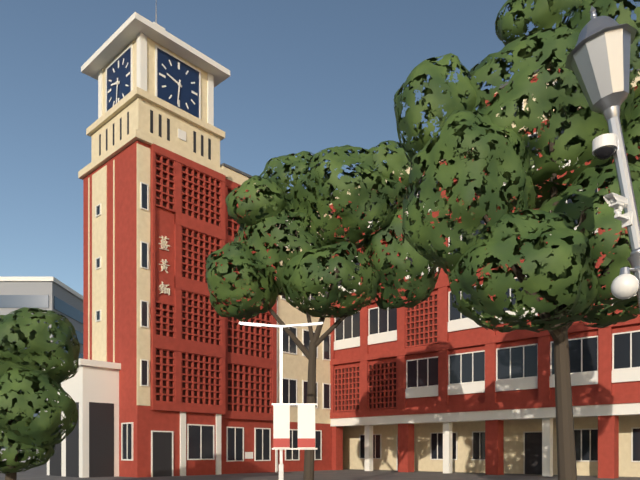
9:31
